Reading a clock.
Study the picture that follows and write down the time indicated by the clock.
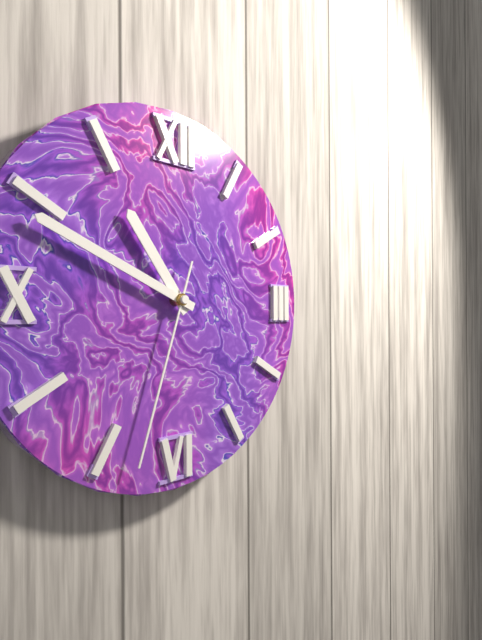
10:49:33
